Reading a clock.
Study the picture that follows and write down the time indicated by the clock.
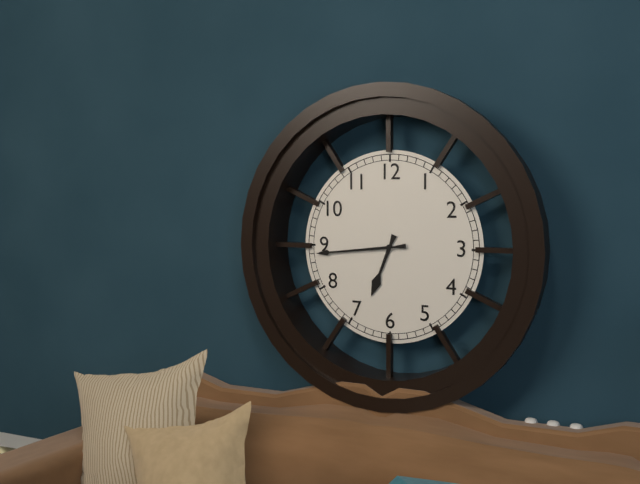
6:44
